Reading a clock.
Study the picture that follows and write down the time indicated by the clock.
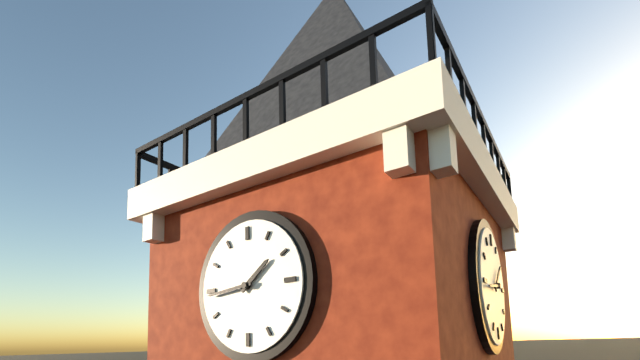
1:44
